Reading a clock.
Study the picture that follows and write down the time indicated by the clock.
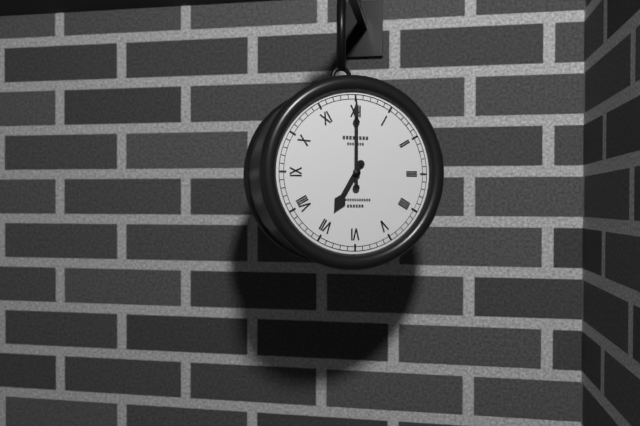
7:00
